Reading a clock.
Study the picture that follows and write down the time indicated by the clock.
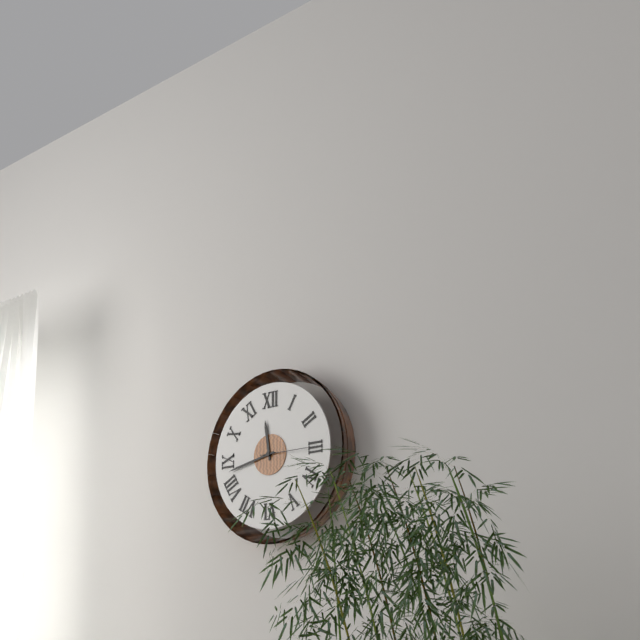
11:43:15
